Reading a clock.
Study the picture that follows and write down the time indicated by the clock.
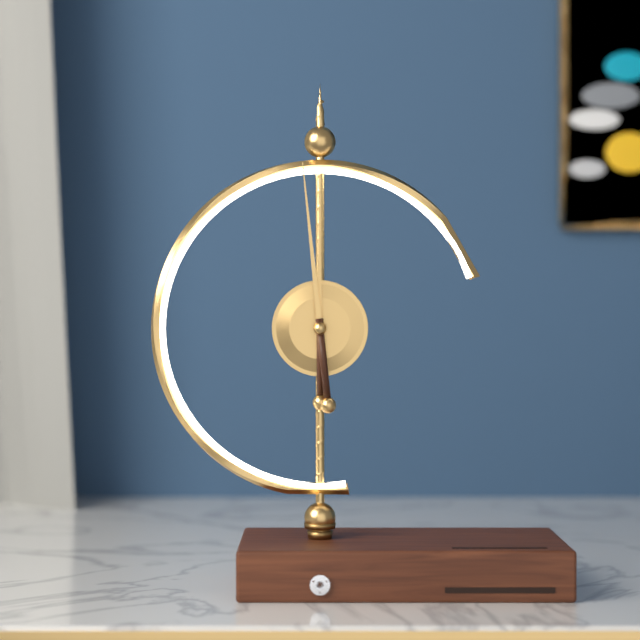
11:59
